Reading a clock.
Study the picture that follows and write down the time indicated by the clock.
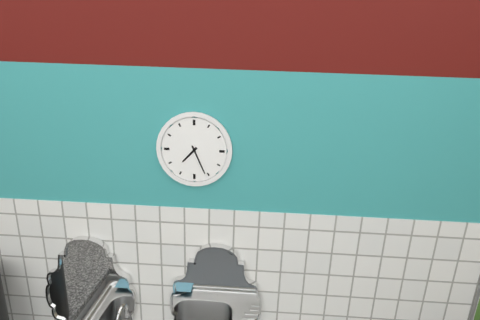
7:26
